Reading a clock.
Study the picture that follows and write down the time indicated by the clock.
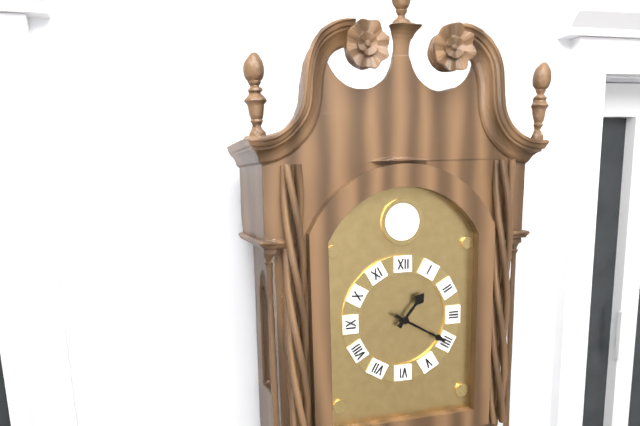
1:20
